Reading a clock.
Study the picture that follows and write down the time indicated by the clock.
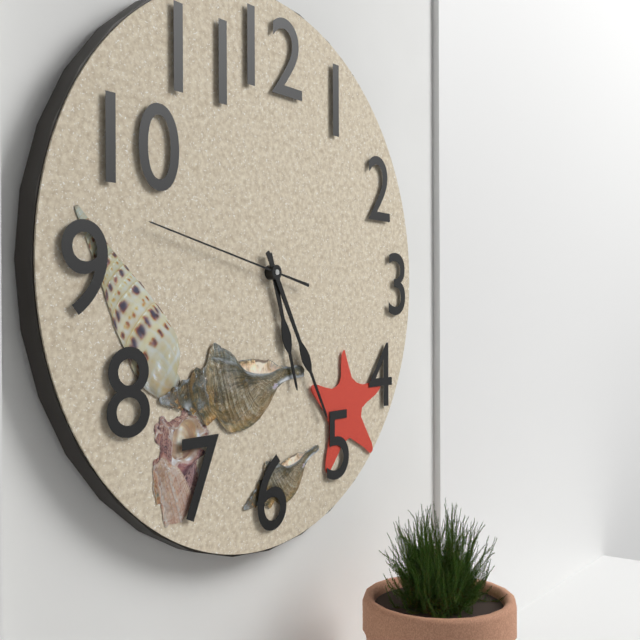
5:25:47
